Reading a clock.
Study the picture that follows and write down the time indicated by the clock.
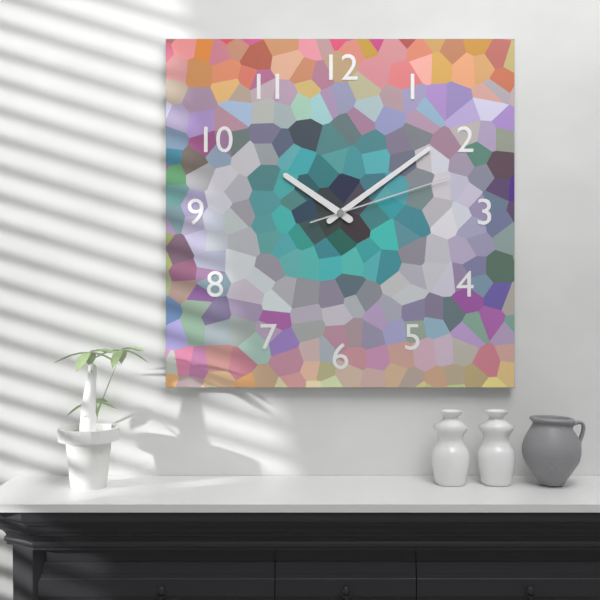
10:09:12
